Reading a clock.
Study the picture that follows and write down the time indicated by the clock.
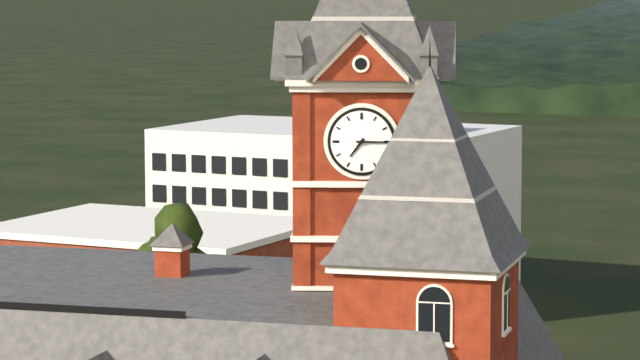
7:15
